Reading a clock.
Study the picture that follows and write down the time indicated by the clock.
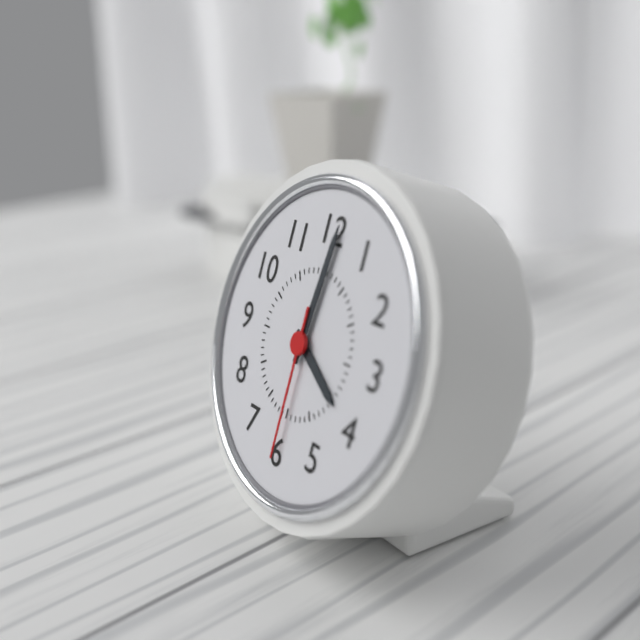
4:01:30
